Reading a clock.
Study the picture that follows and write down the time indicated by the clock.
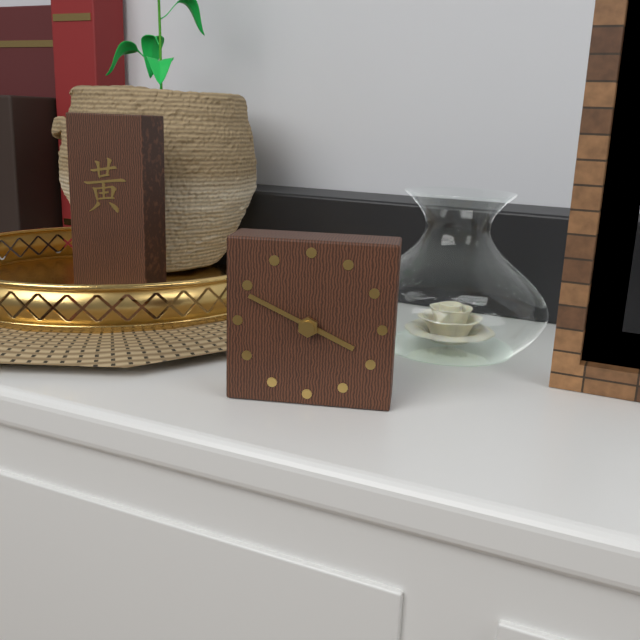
3:49
